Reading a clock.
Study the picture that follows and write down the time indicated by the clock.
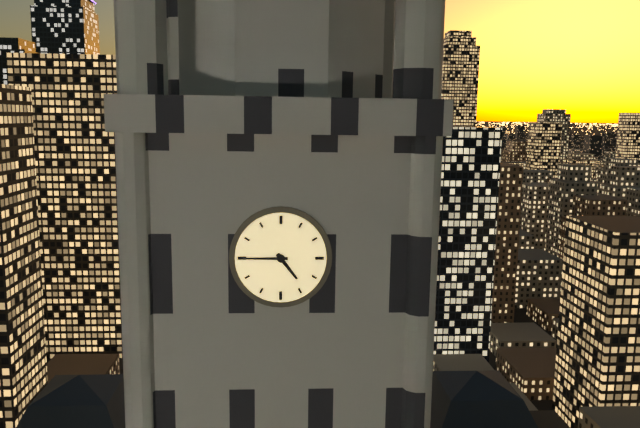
4:45
